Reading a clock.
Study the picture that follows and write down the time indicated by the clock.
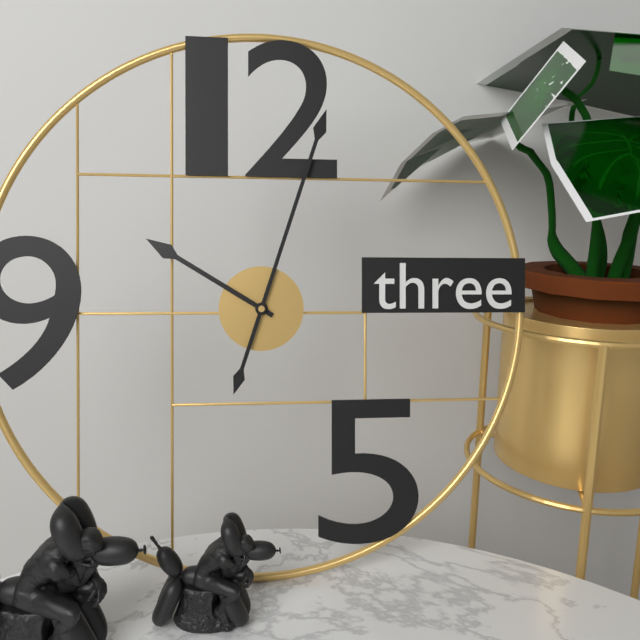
10:03
